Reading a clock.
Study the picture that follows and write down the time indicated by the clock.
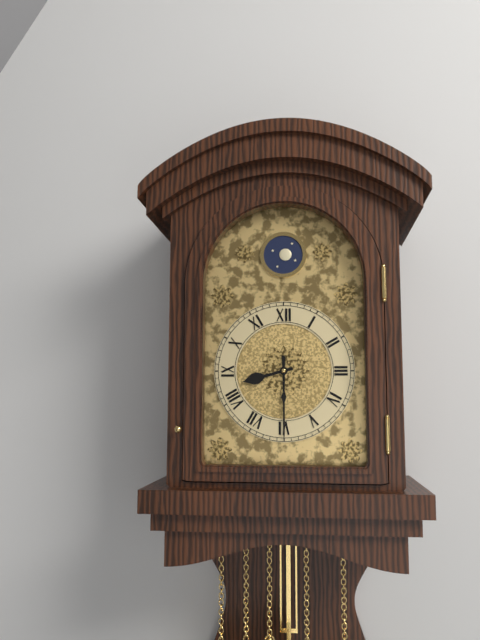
8:30
